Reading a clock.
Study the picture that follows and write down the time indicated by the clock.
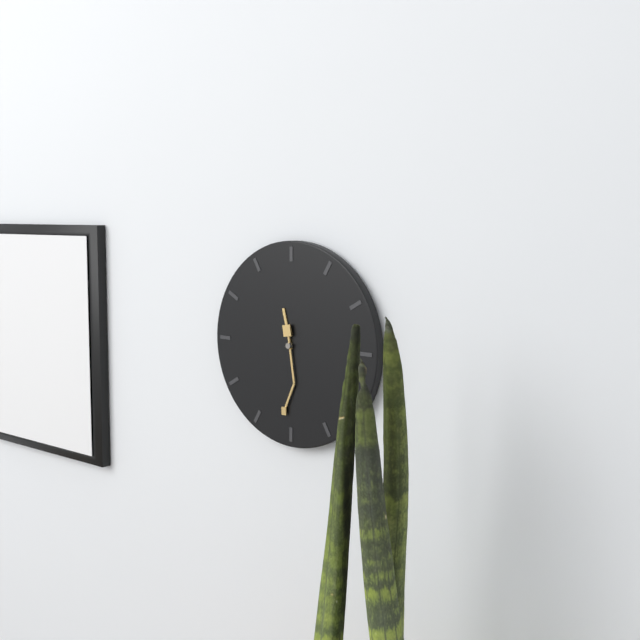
11:31
